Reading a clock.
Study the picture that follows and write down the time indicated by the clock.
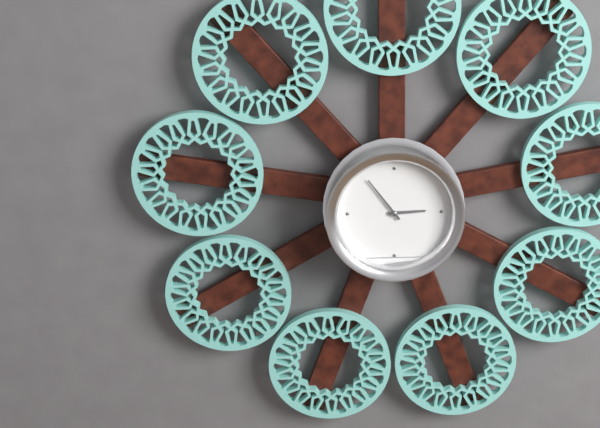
2:54
